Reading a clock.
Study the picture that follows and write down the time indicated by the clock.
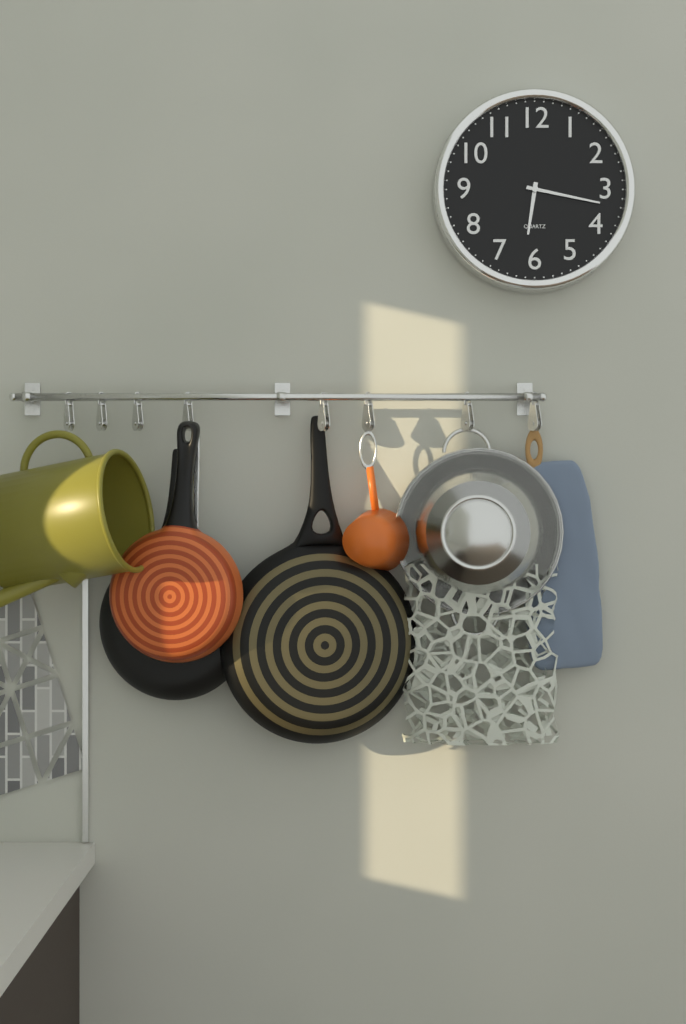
6:17
